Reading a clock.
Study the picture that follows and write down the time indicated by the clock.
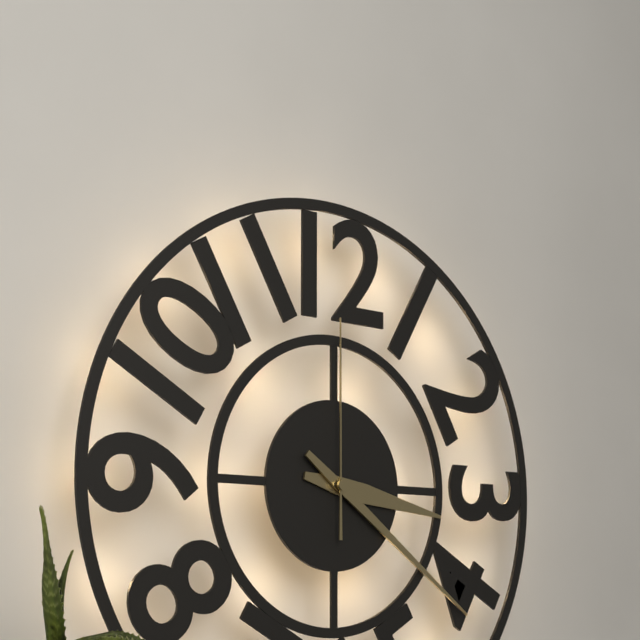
3:21:00
